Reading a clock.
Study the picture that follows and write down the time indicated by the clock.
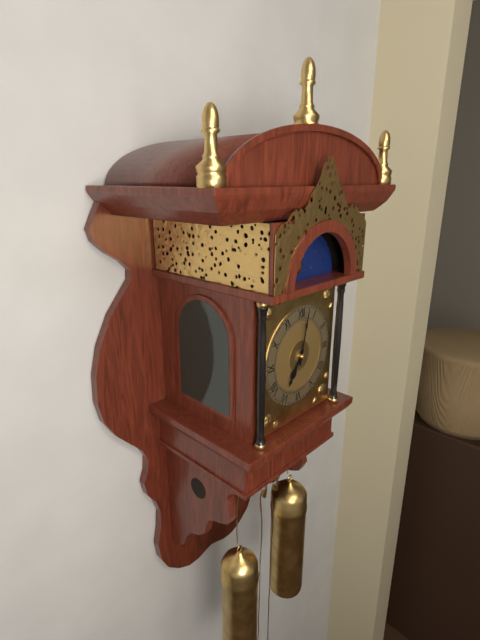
7:02
